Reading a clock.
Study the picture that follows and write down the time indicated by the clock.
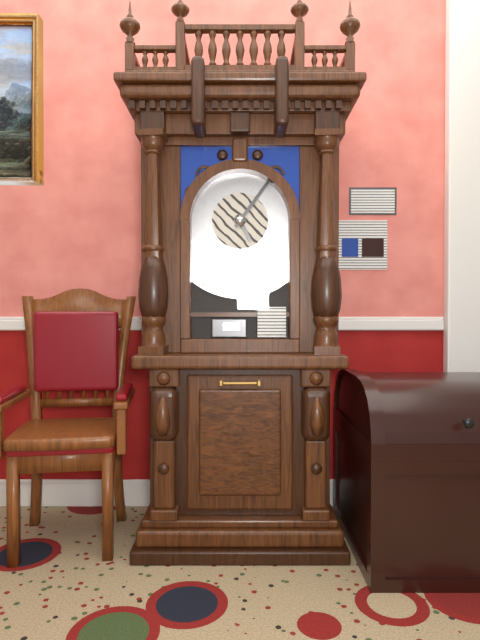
5:06
